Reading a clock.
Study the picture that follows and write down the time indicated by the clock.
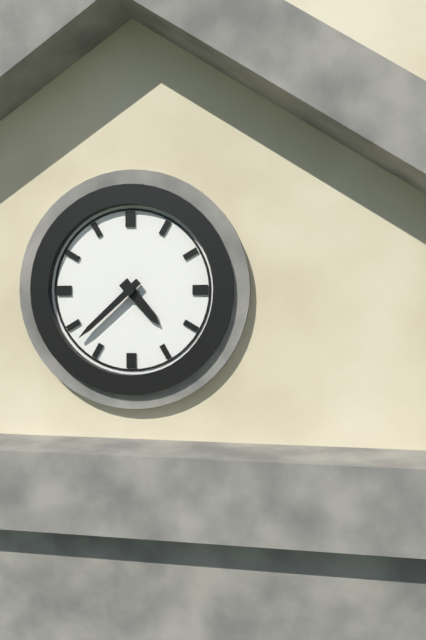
4:38
